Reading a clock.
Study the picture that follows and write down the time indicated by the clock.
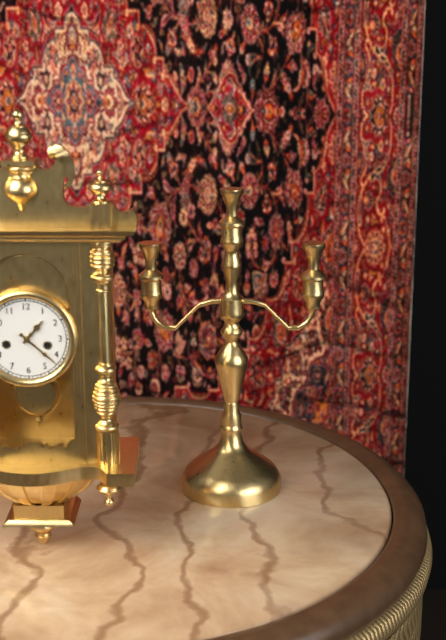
1:22
